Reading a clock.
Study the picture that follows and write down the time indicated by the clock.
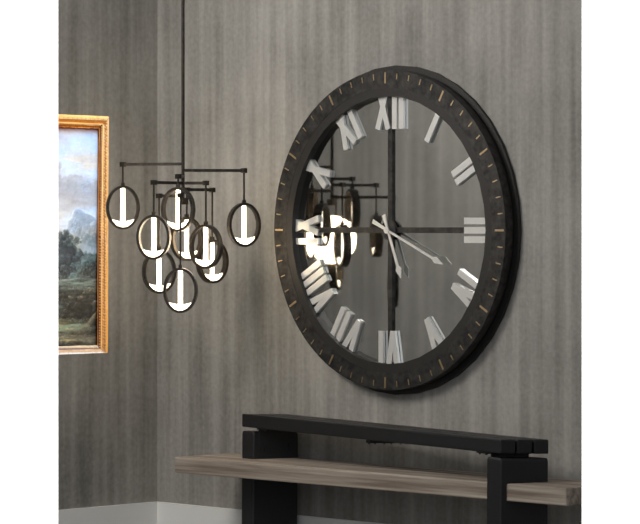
5:19
